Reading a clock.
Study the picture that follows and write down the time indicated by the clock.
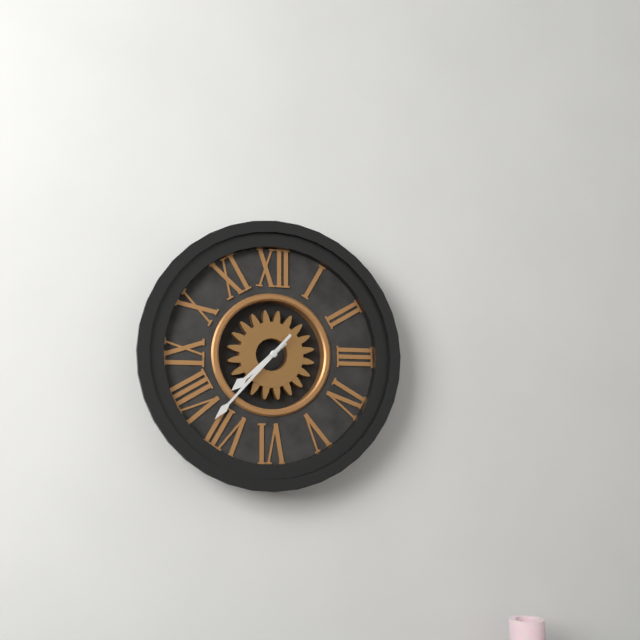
7:37
